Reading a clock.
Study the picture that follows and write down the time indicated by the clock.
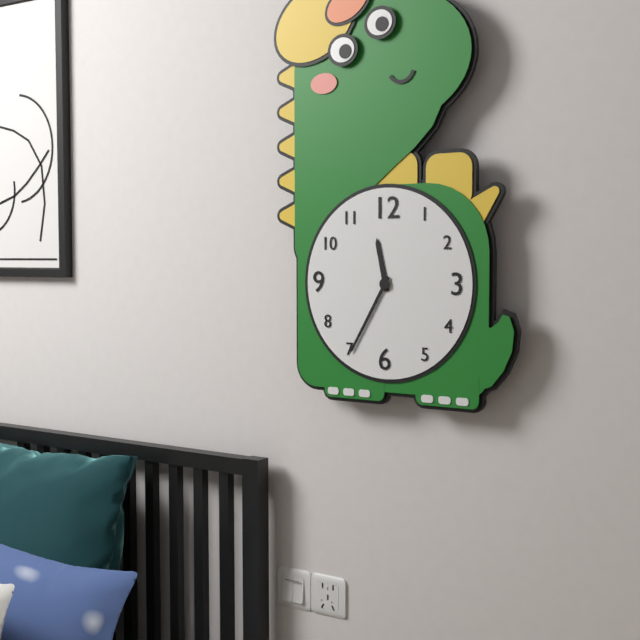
11:35
